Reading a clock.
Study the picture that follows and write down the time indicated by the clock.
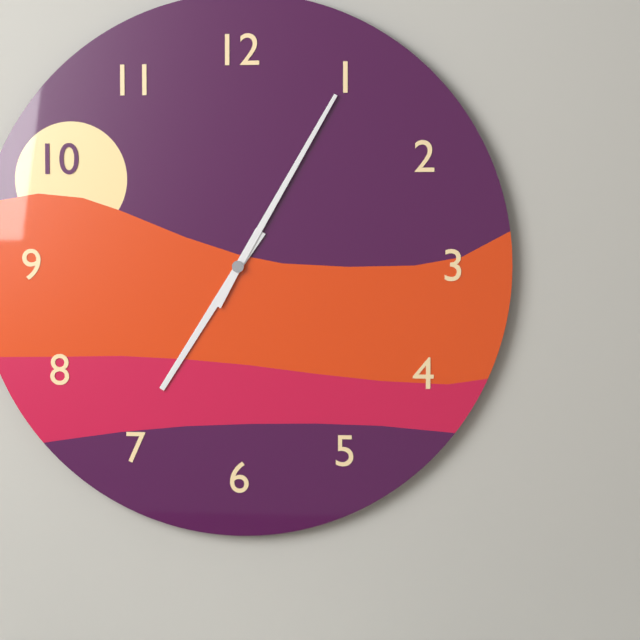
7:05
